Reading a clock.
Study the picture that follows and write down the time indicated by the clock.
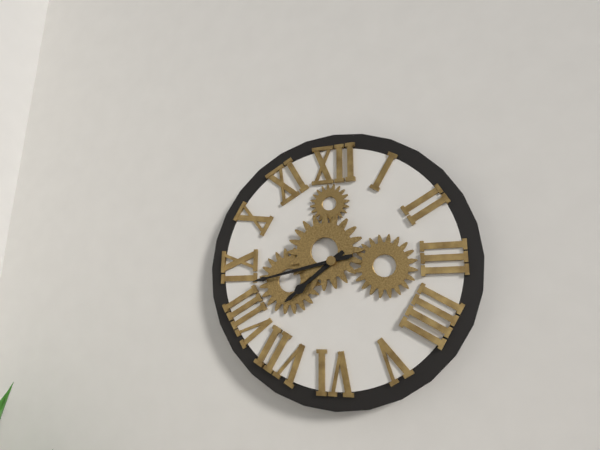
7:43
